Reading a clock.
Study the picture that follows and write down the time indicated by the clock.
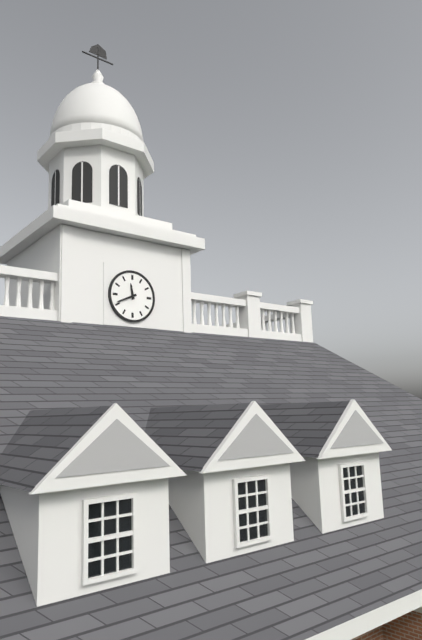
11:41
